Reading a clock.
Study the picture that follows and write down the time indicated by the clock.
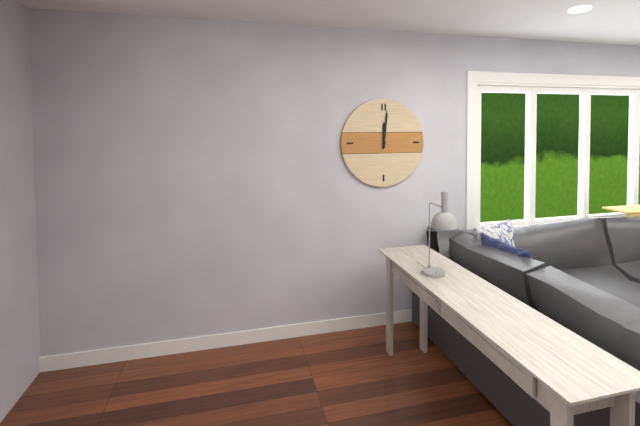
12:01
